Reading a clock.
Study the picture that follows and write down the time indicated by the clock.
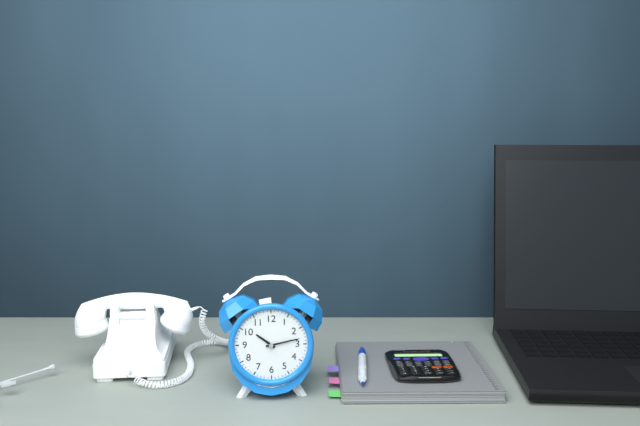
10:13
